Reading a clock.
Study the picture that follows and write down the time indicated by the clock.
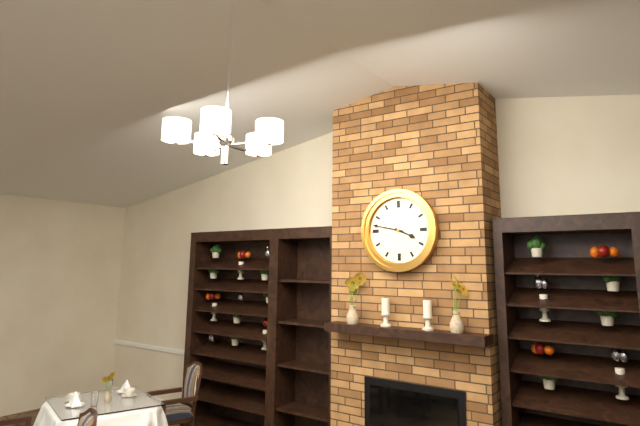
3:47
